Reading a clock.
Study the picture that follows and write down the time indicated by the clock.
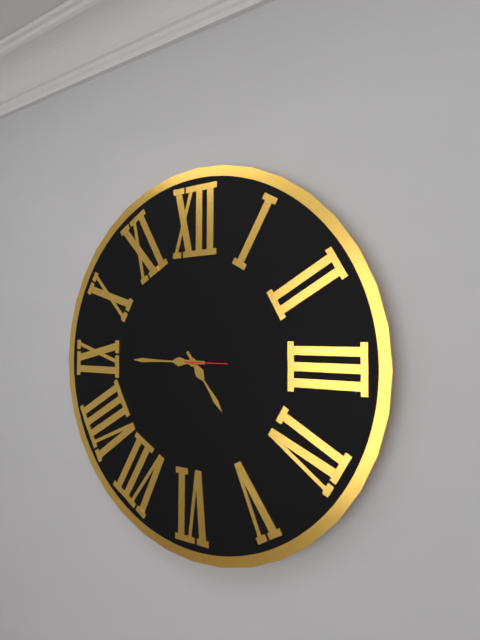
4:45
